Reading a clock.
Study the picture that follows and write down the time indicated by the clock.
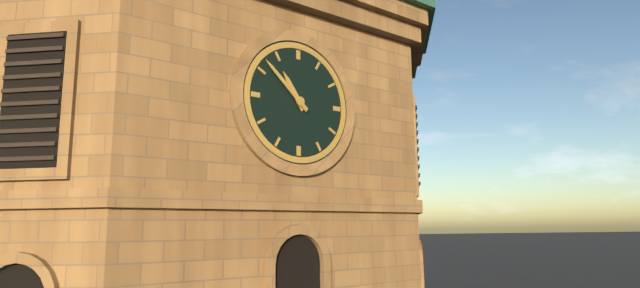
10:52
